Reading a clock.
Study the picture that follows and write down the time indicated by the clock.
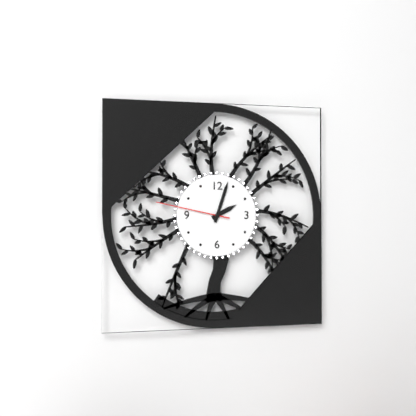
2:03:47
